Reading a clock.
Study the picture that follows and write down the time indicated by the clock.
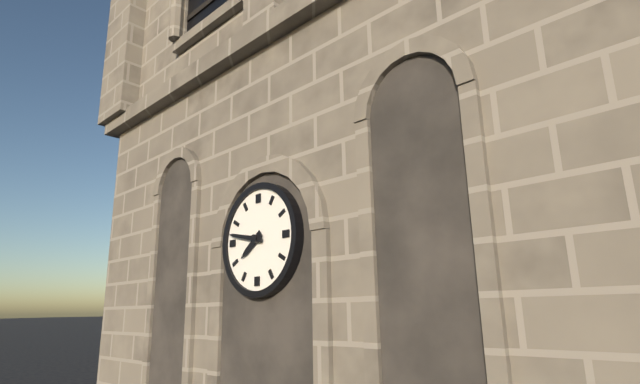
7:47
